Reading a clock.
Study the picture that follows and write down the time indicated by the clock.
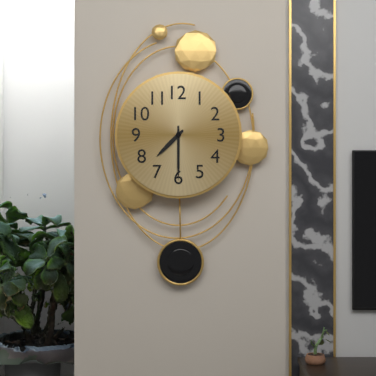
7:30
